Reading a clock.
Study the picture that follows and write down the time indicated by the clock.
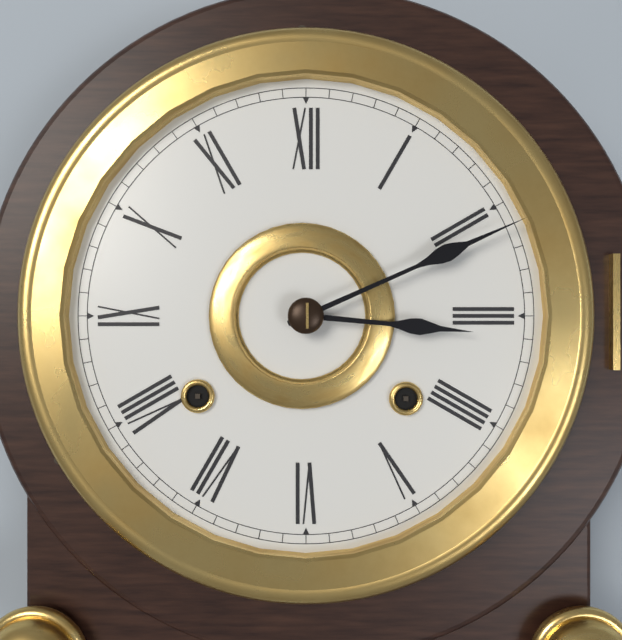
3:11
